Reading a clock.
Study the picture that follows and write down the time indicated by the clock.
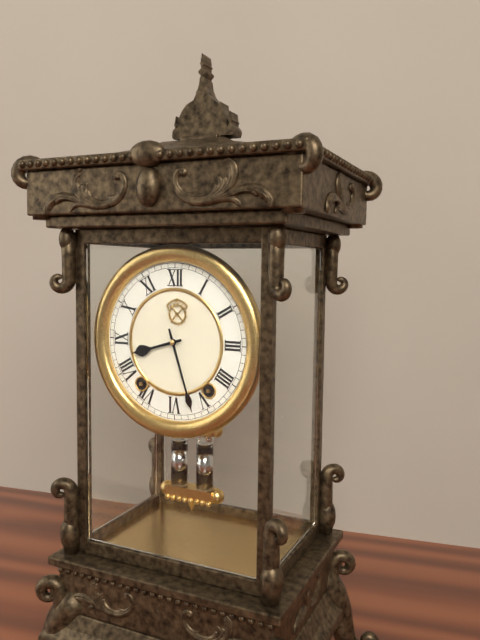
8:27
